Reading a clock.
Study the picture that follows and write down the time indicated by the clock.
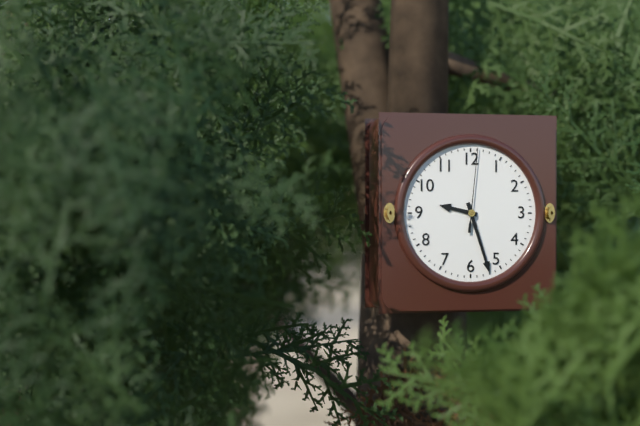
9:27:01
